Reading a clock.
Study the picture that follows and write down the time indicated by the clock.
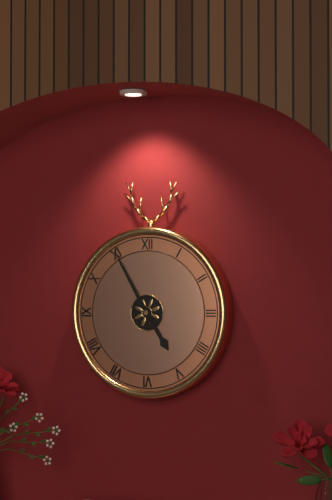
4:55
